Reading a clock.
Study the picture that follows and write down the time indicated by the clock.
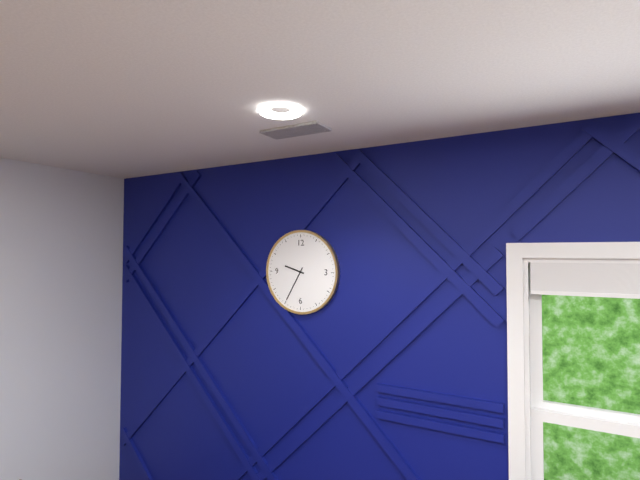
9:35
